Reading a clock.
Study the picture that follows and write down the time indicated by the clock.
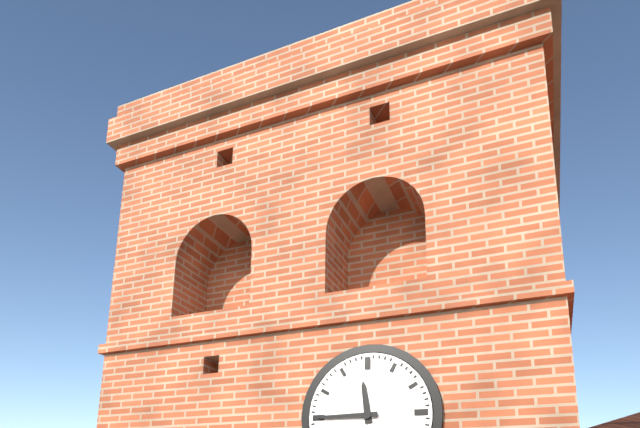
11:45
